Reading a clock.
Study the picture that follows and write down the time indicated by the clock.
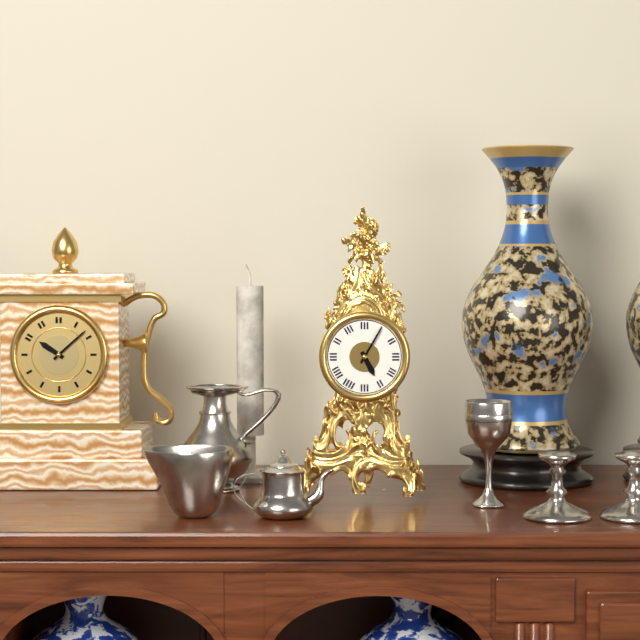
5:05
